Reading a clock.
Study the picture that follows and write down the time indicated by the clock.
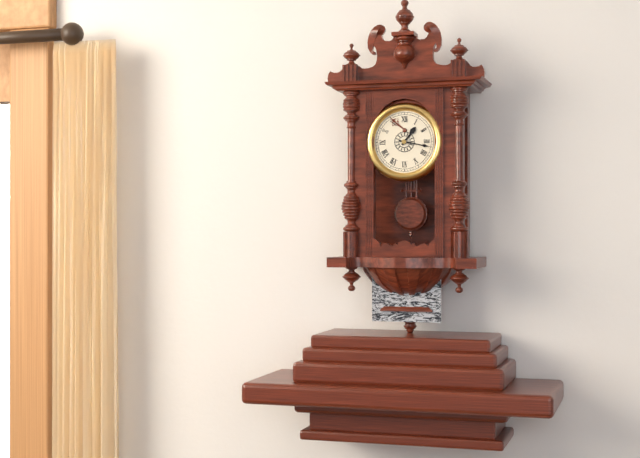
1:17
